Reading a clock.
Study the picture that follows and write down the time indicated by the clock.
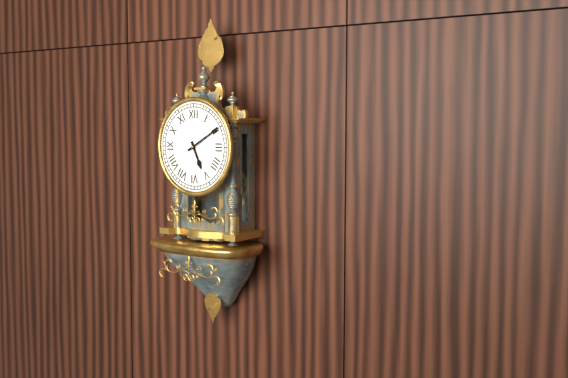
5:10
